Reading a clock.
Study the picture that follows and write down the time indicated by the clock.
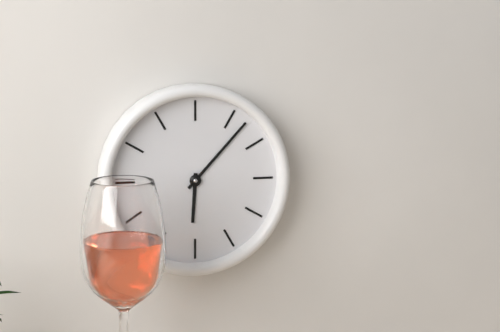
6:07
